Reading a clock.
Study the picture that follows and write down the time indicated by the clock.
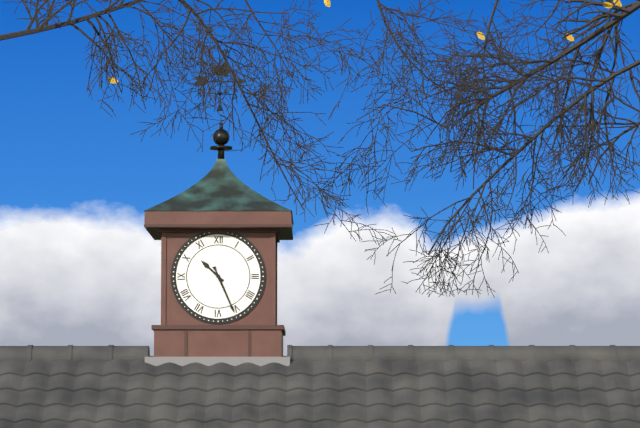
10:26
